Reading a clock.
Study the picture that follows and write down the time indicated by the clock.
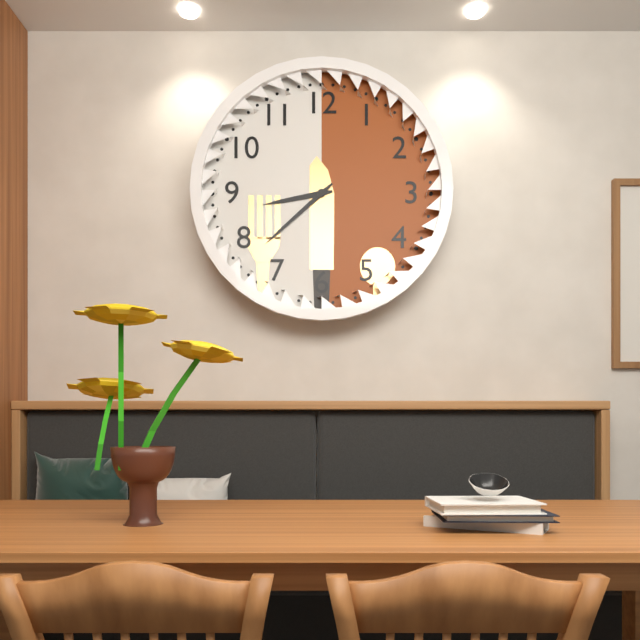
8:38
